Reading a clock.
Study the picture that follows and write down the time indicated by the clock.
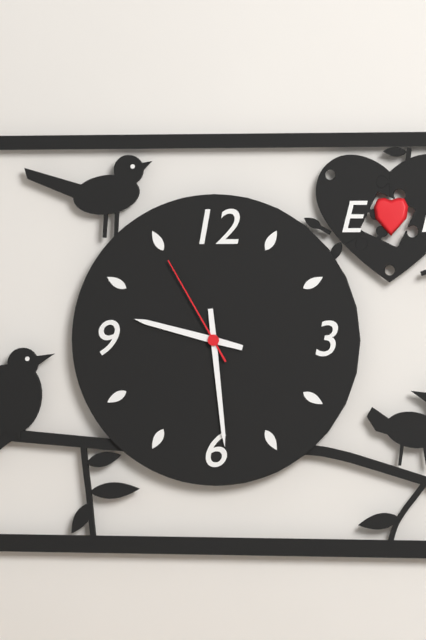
9:29:55
